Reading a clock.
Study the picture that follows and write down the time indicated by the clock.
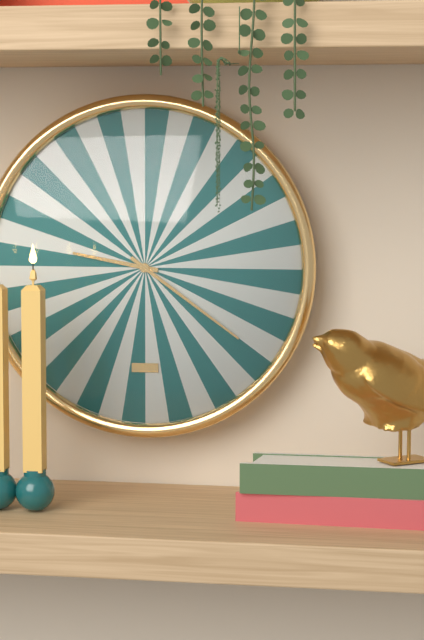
9:21
